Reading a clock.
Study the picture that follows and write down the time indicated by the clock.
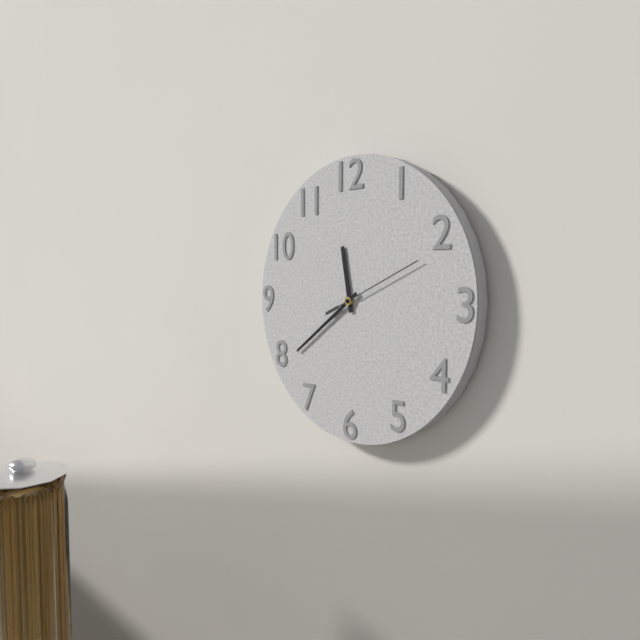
11:39:11
